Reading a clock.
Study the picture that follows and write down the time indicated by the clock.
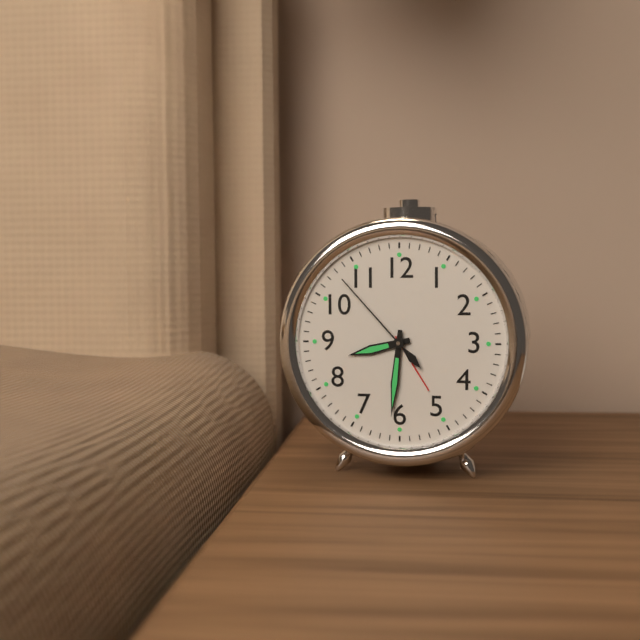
8:31:53
